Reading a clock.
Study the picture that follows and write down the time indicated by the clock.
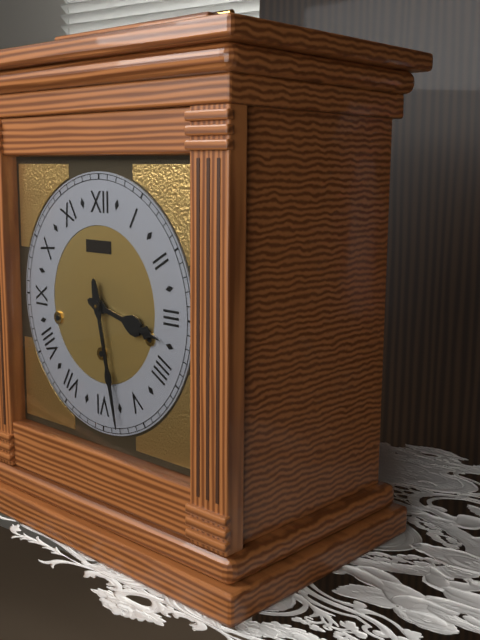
3:28
